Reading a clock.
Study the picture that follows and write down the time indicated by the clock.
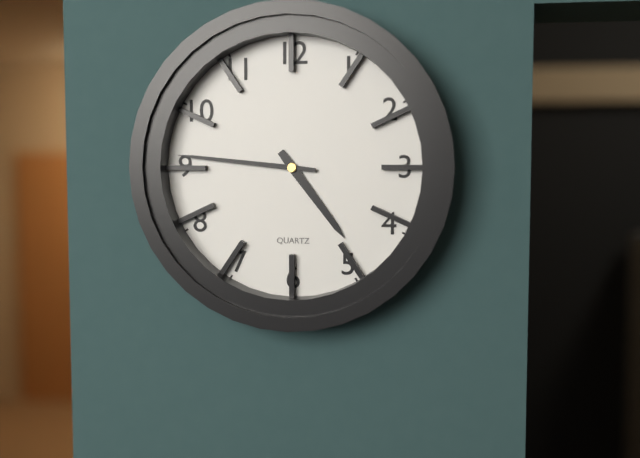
4:46
